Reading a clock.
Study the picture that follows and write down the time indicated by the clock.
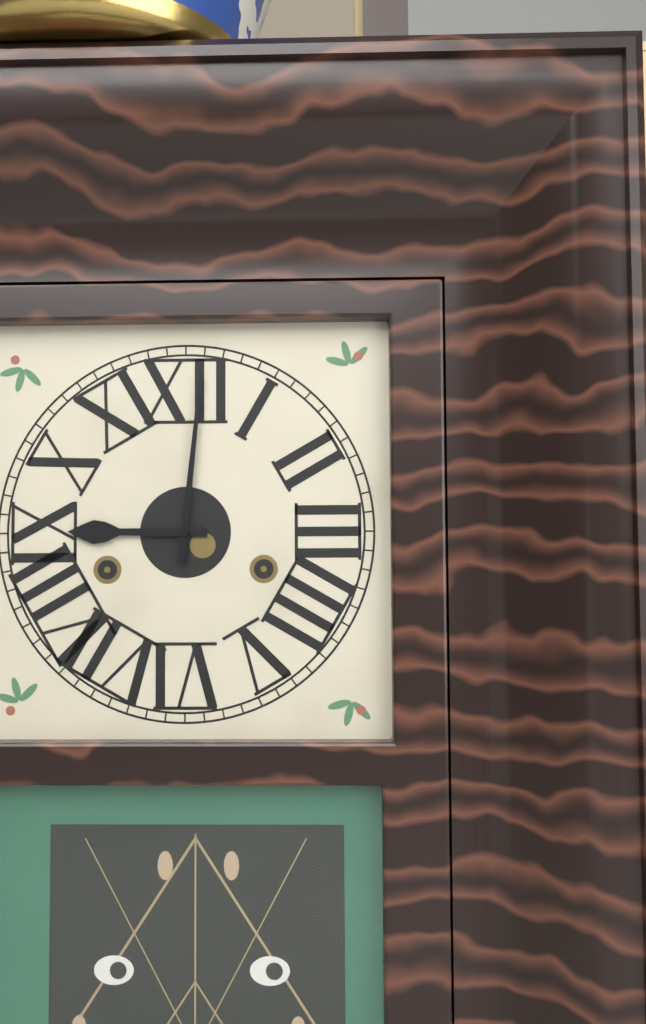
9:01
